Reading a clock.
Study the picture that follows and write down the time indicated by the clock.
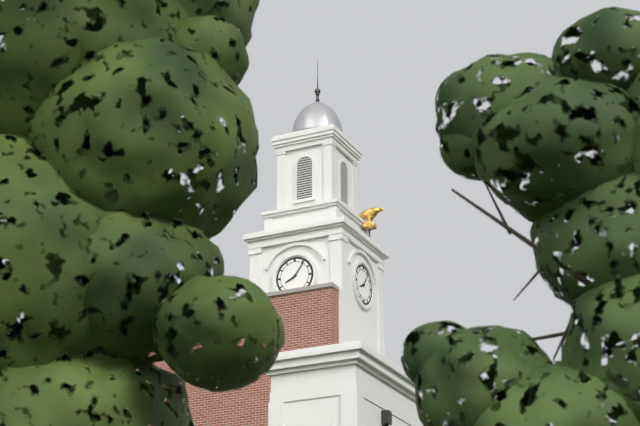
8:06
